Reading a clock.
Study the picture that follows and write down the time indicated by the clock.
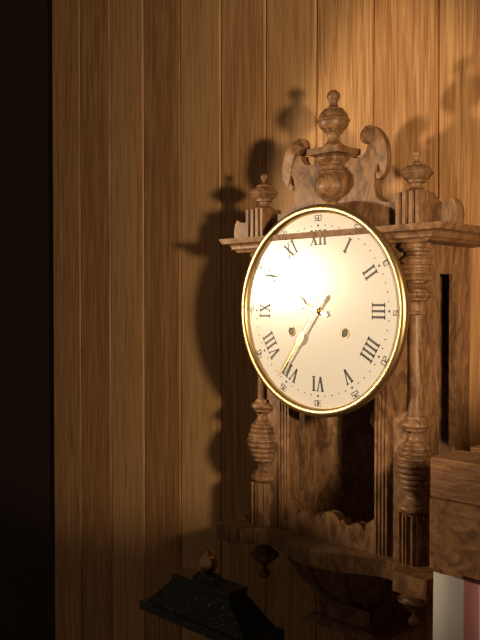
9:36
